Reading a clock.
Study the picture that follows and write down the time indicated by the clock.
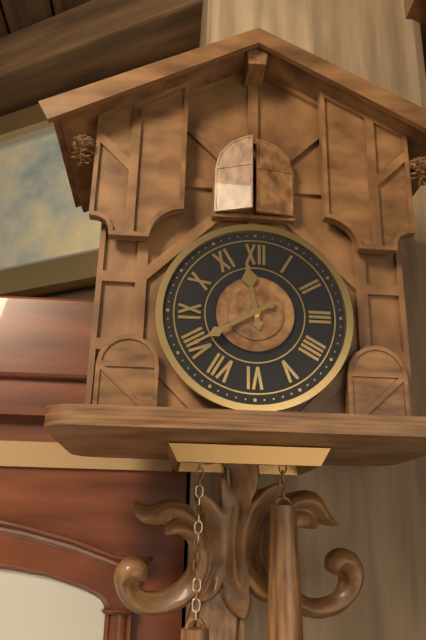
11:40
